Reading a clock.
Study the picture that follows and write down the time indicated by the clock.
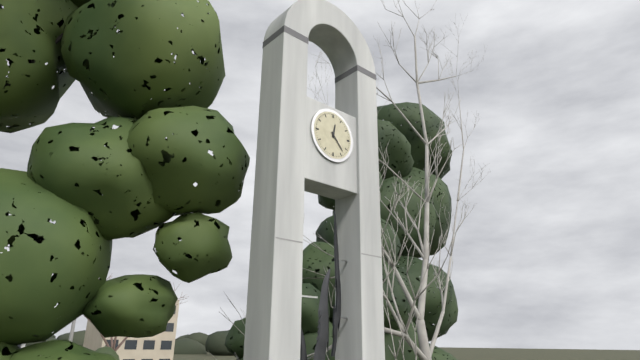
12:23
